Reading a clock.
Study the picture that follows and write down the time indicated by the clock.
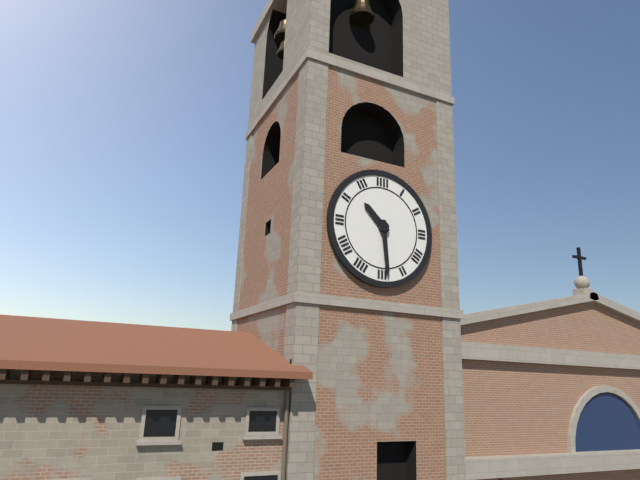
10:29
